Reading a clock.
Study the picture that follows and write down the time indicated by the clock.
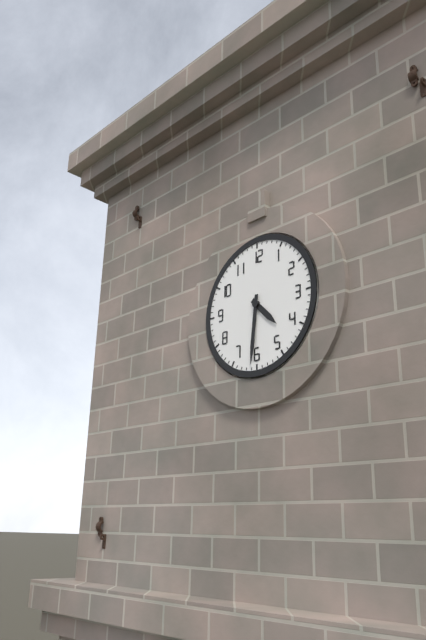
4:31
